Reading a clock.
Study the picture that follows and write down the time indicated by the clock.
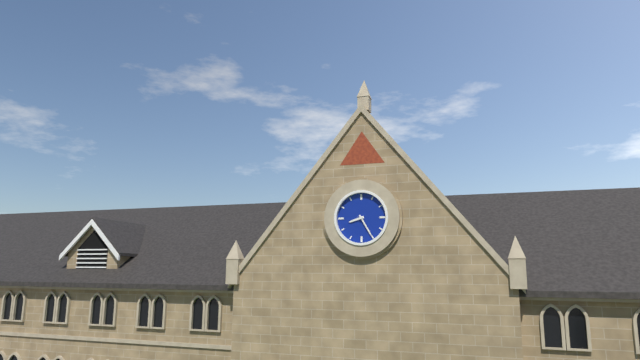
8:25
